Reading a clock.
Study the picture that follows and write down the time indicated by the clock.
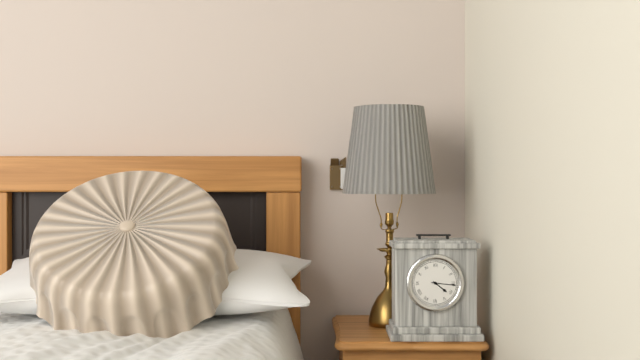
4:16
